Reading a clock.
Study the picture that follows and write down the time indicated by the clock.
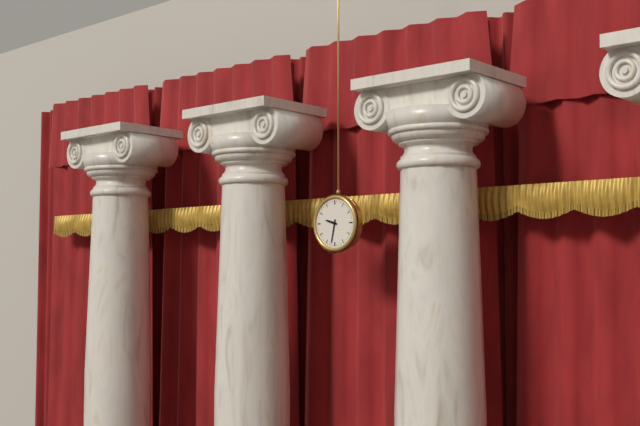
9:32
